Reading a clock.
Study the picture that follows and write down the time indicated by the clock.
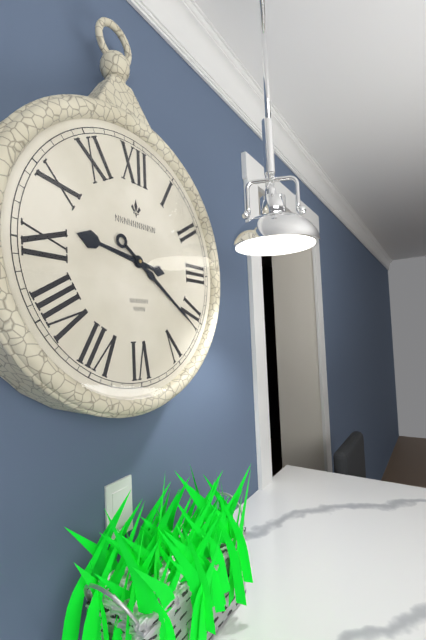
9:21
